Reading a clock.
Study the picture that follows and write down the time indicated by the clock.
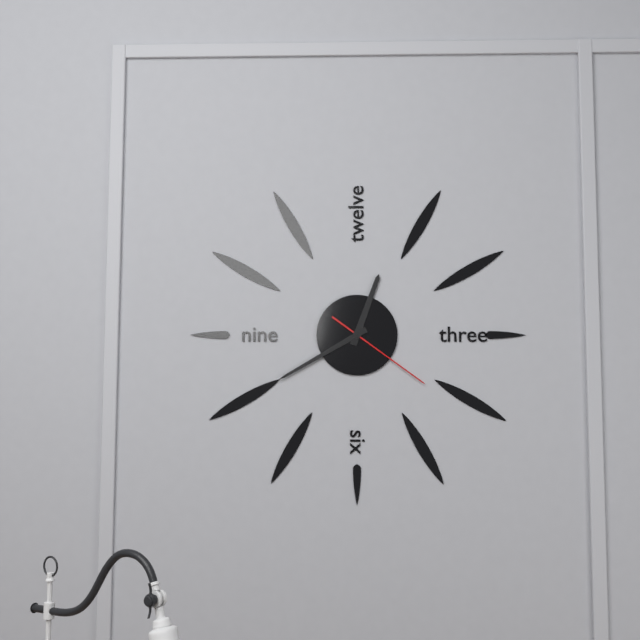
12:40:21
